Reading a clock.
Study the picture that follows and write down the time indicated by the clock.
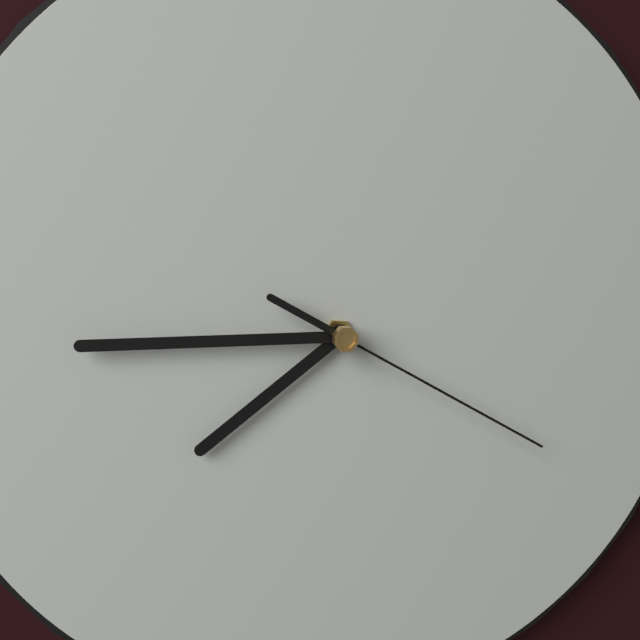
7:45:20
